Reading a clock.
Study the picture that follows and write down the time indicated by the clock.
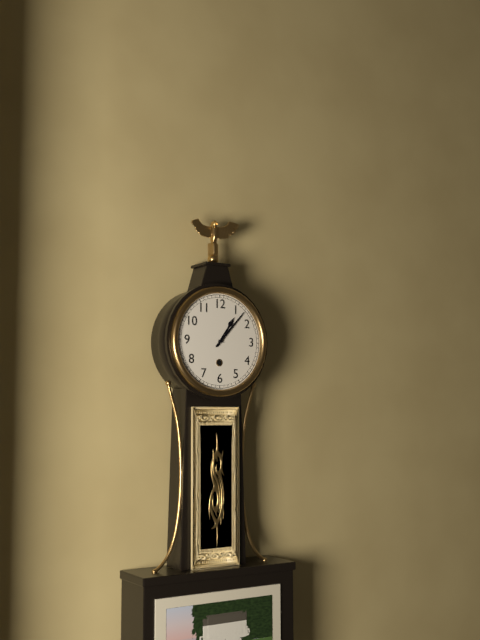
1:07
